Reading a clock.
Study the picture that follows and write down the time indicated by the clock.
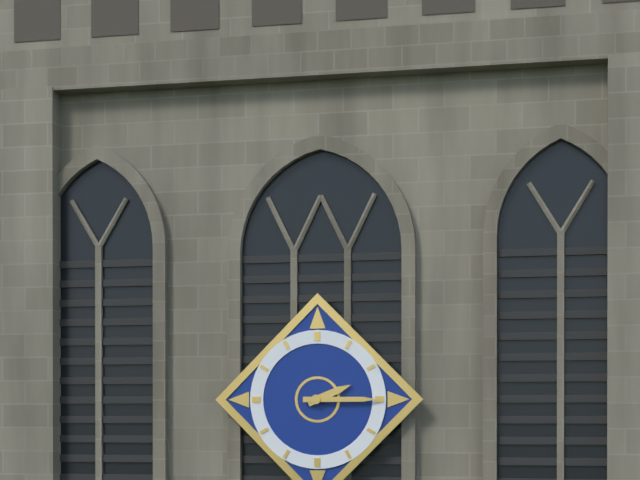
2:15
